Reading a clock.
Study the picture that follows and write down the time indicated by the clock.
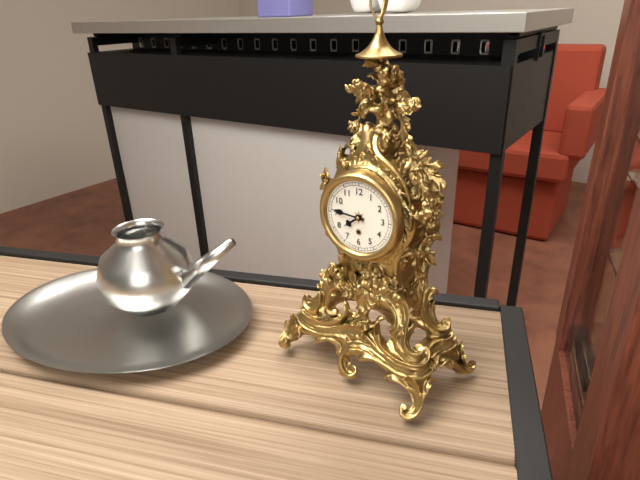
7:46
